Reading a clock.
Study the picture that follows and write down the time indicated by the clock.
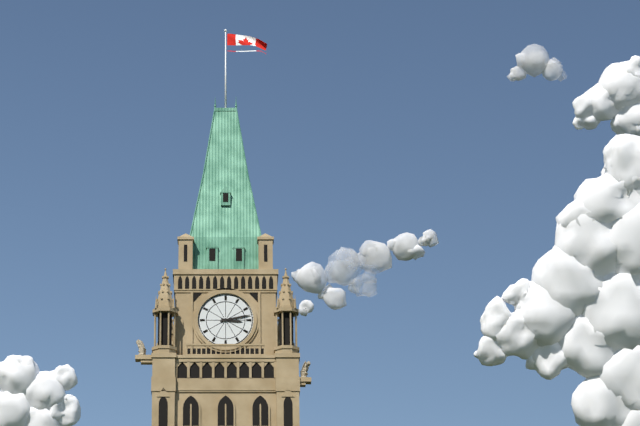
3:13
